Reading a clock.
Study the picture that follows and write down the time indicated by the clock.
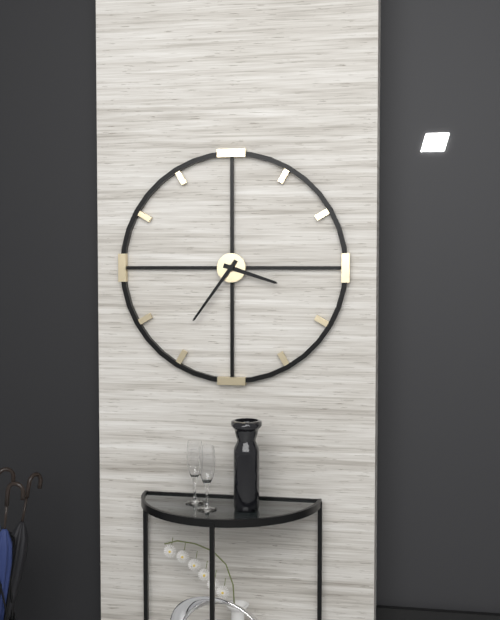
3:36
